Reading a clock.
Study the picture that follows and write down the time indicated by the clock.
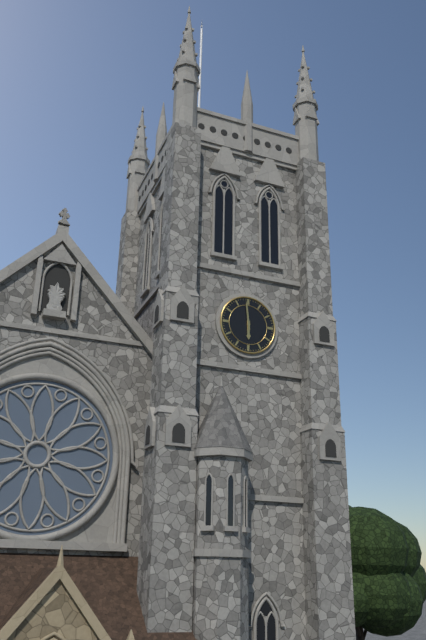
5:59
